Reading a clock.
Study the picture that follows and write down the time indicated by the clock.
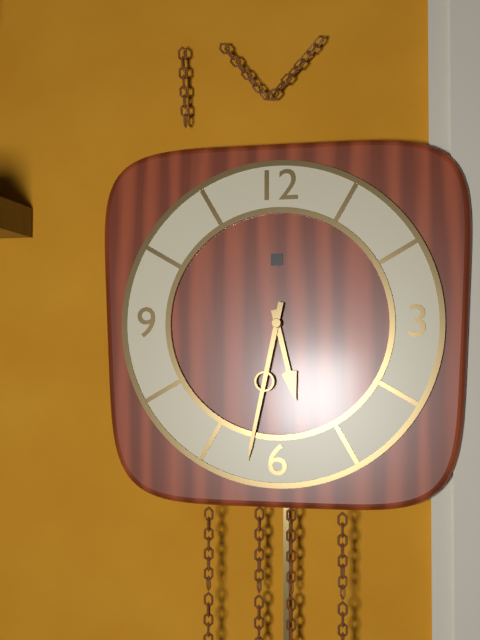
5:32
